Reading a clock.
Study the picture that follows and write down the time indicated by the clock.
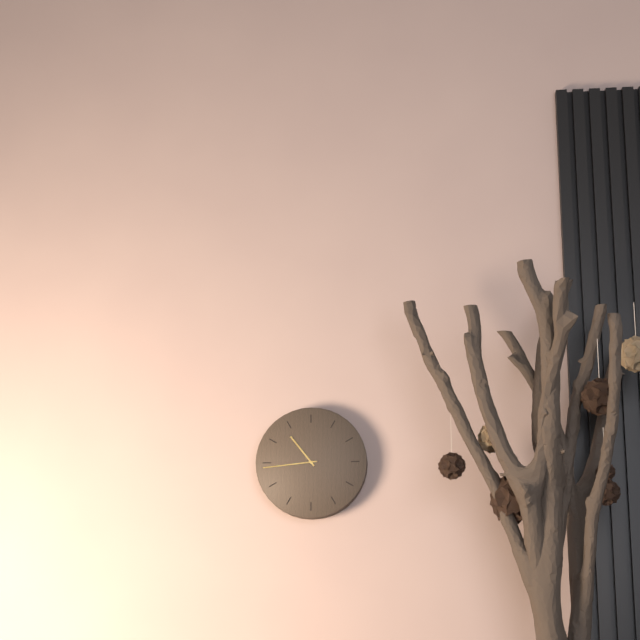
10:44
